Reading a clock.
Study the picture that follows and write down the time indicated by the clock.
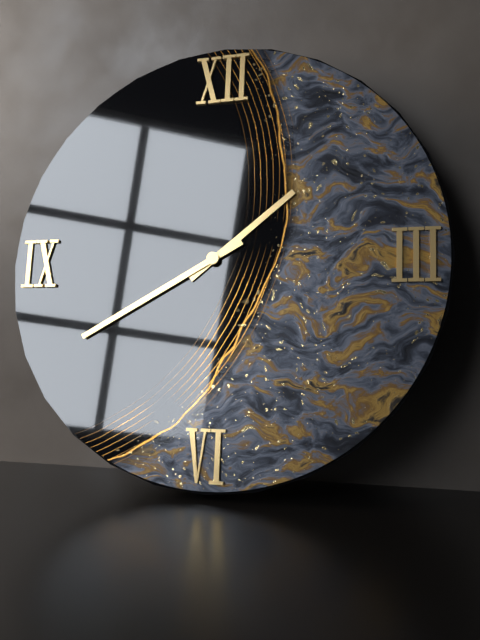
1:40
